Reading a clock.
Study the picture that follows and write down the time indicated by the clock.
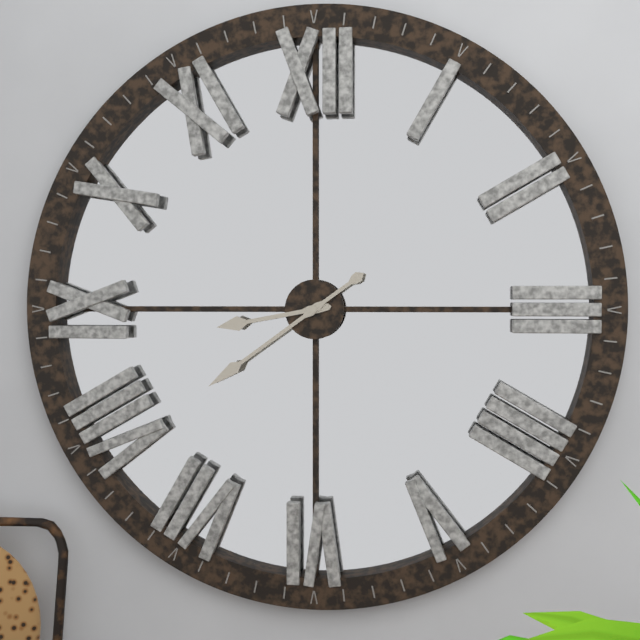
8:39
